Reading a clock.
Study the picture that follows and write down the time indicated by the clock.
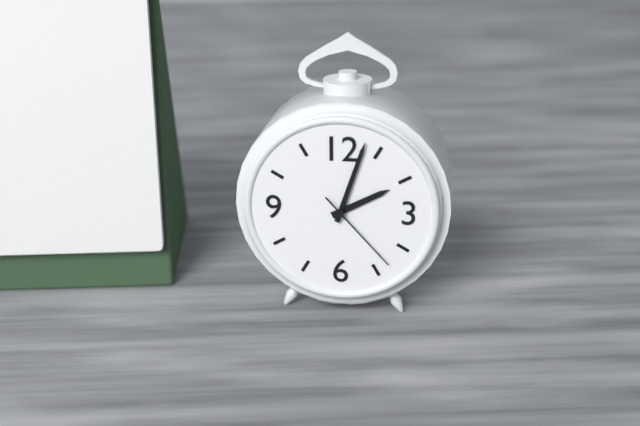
2:03:23
